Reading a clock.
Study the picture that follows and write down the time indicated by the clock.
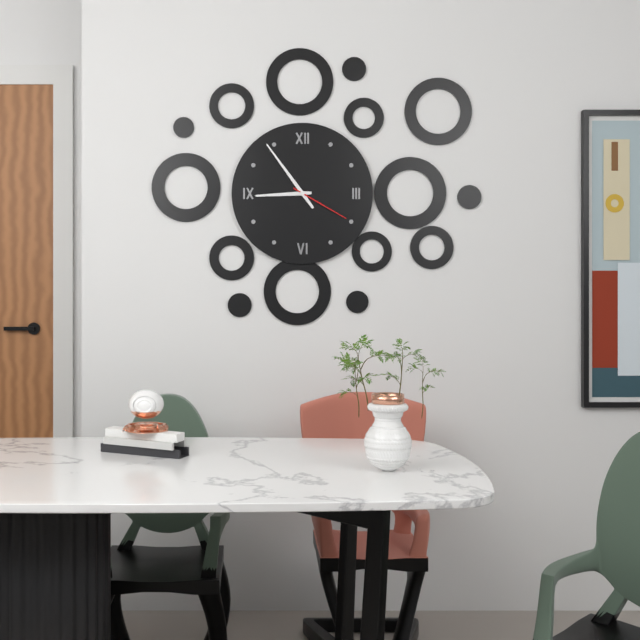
8:54:20
